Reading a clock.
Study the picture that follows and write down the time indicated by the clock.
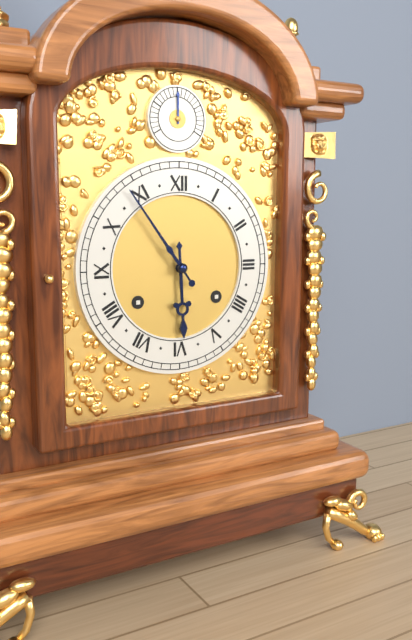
5:54
